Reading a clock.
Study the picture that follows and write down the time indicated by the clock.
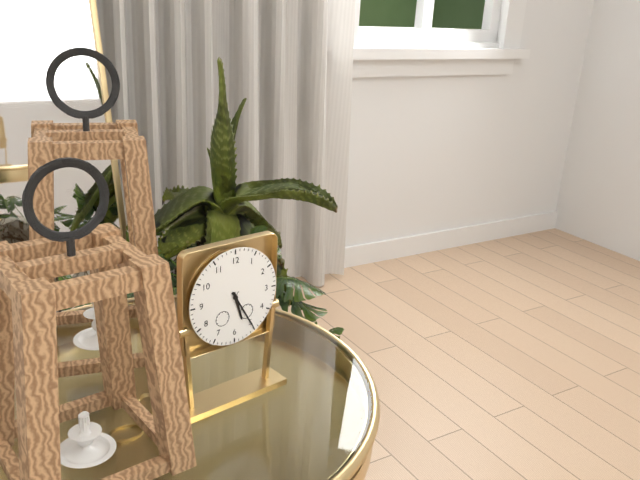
5:25
